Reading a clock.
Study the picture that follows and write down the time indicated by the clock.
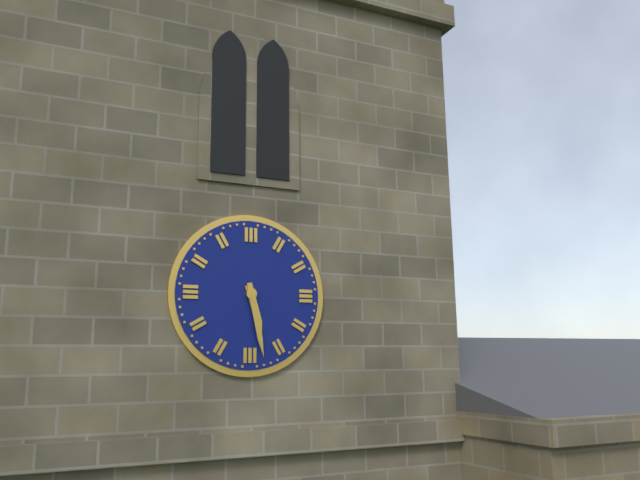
5:28
